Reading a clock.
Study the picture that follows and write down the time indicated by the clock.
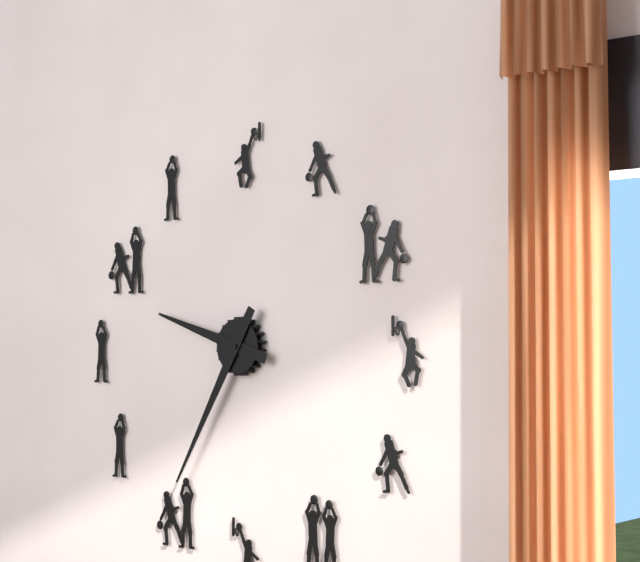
9:35
